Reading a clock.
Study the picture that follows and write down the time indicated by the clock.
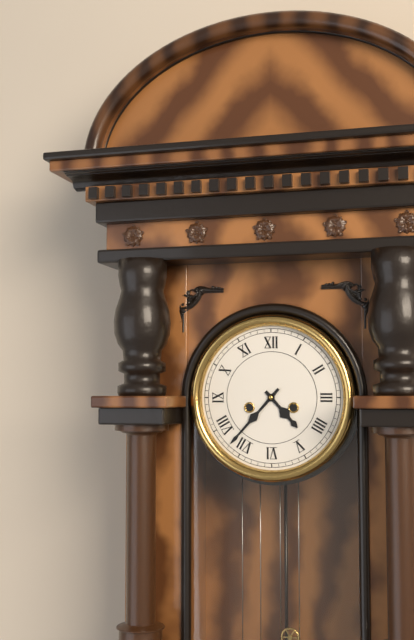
4:37
